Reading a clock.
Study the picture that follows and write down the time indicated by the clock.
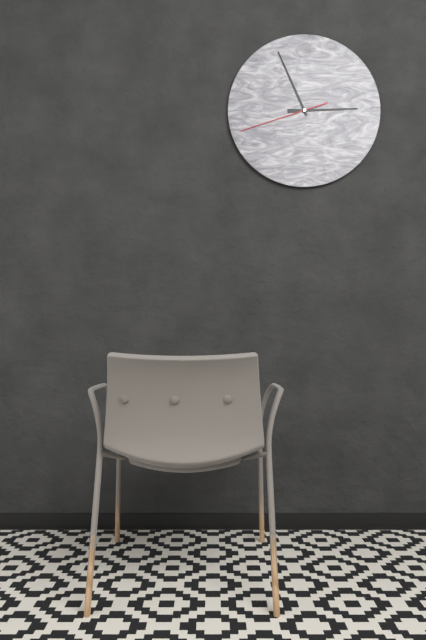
2:56:42
